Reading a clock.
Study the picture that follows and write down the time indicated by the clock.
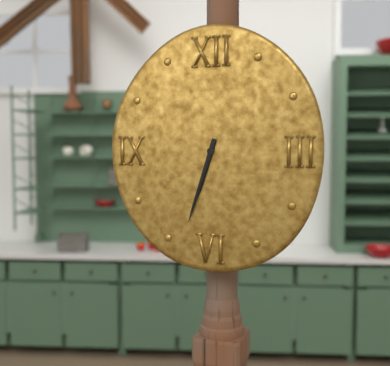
6:33
